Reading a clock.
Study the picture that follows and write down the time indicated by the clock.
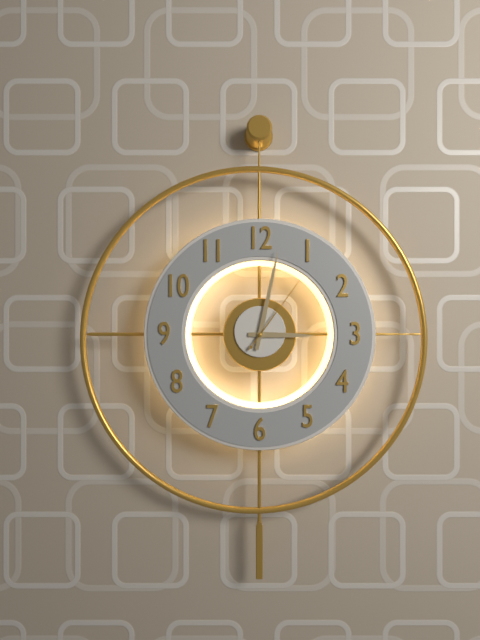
3:02:06
